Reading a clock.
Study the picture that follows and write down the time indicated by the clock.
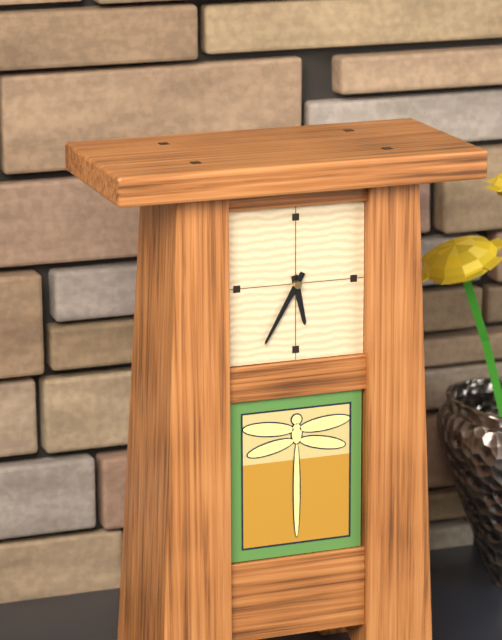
5:35
